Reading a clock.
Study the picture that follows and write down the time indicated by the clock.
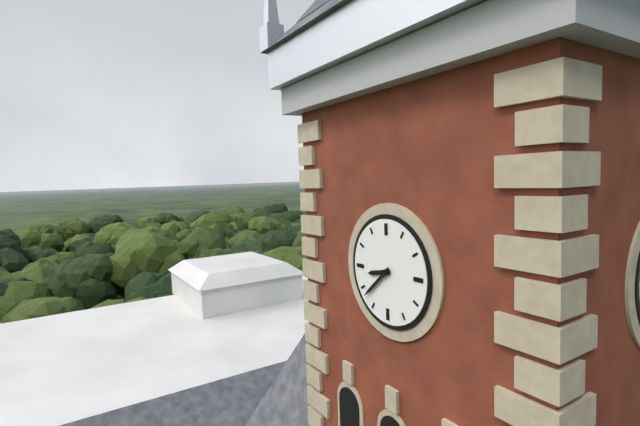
8:38
